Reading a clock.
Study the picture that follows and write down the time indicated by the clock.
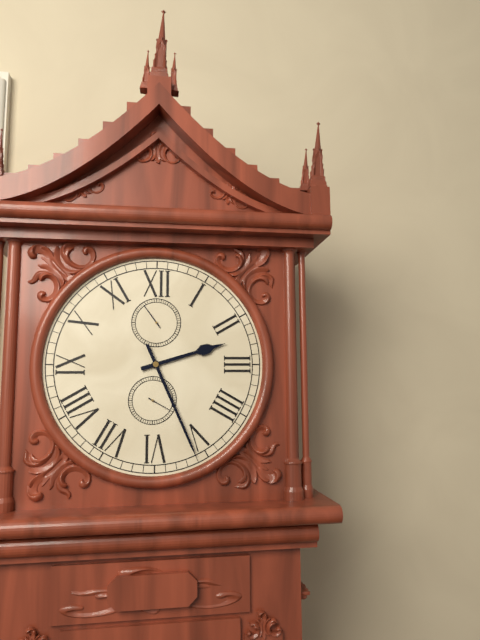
2:26
